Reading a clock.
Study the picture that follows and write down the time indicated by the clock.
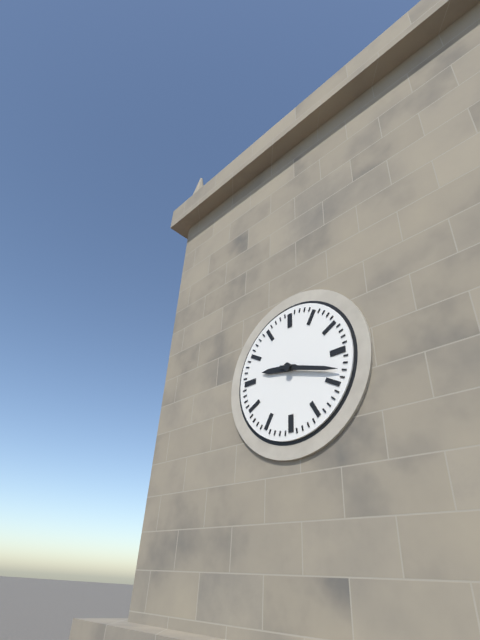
9:18
